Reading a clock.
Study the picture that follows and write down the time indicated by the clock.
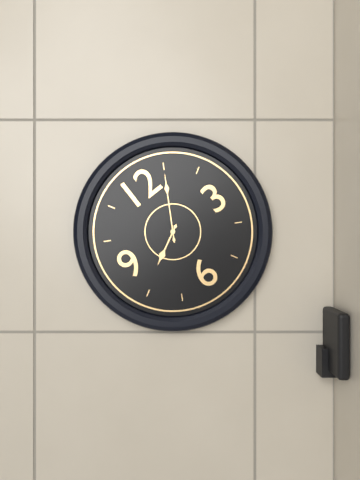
8:05
